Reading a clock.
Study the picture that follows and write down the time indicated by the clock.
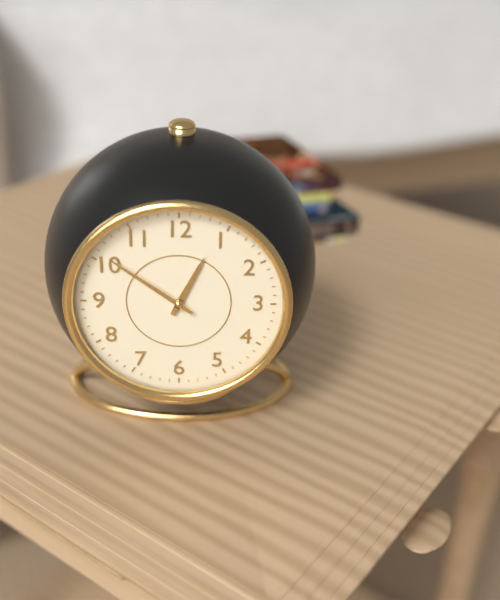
12:51
